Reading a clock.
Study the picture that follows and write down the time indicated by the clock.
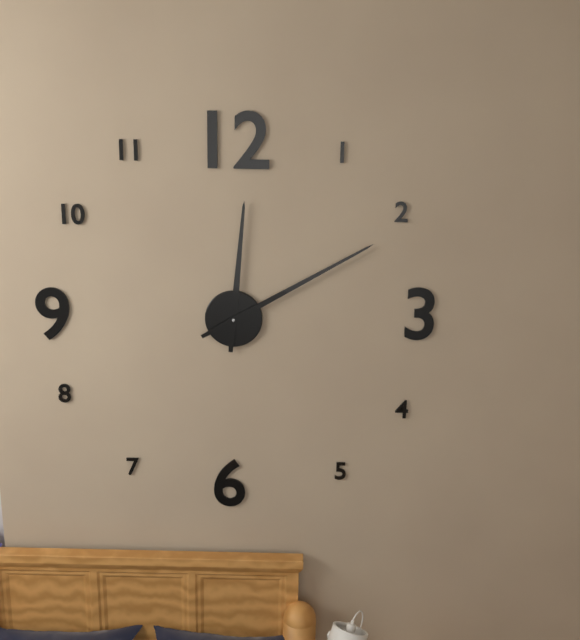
12:10
